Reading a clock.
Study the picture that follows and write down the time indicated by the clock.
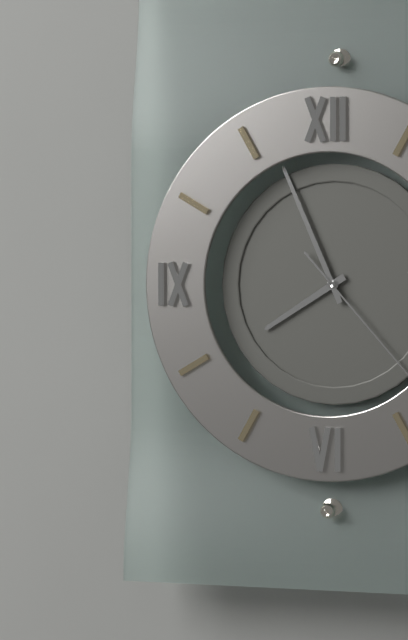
7:56
